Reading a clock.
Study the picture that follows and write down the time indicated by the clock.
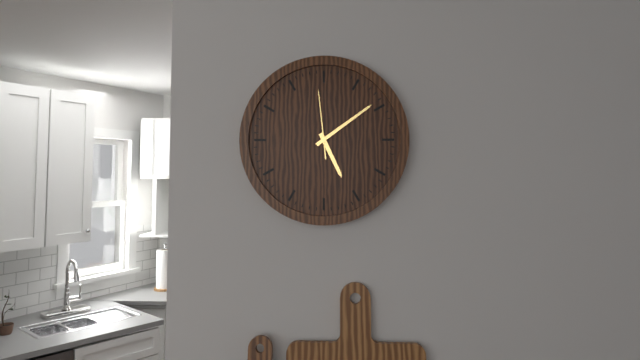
5:09:59
